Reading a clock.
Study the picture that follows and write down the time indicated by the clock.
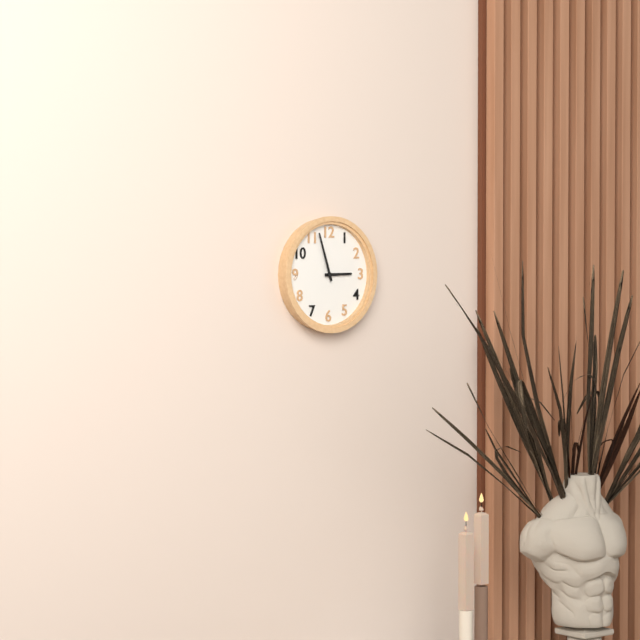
2:57
